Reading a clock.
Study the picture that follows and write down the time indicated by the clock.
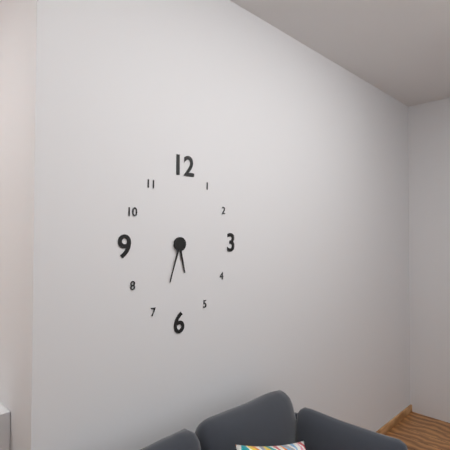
5:33
